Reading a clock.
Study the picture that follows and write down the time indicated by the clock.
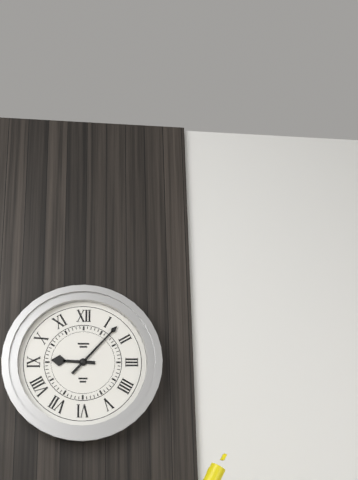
9:07
